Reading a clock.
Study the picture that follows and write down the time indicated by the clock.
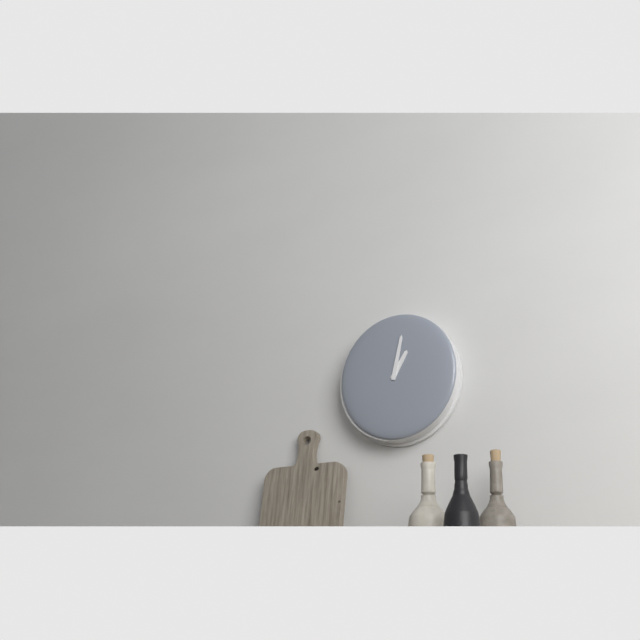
1:02
